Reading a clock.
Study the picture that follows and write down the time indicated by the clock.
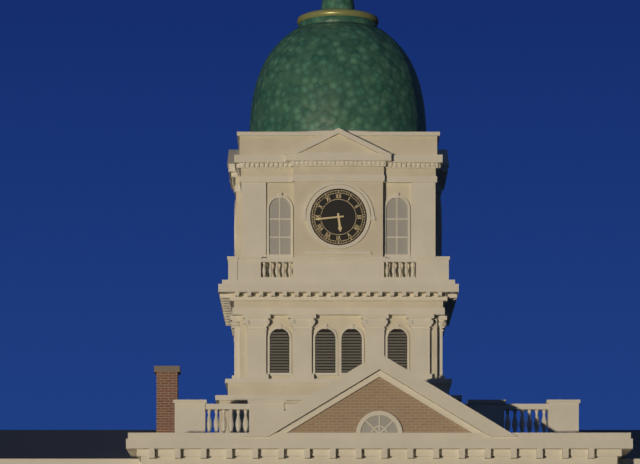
5:44
